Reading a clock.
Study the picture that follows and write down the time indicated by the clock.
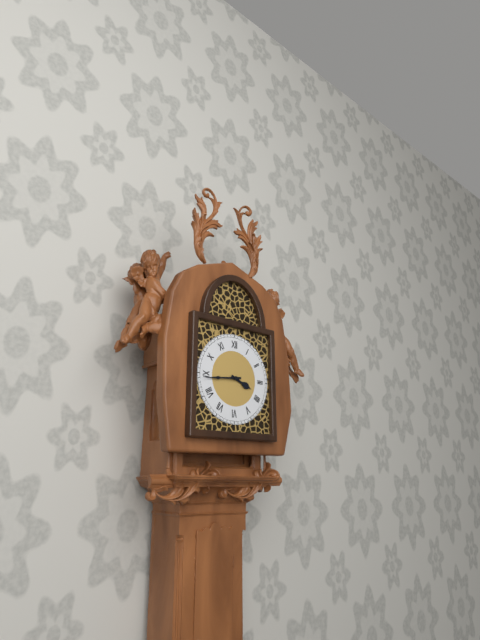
3:44
